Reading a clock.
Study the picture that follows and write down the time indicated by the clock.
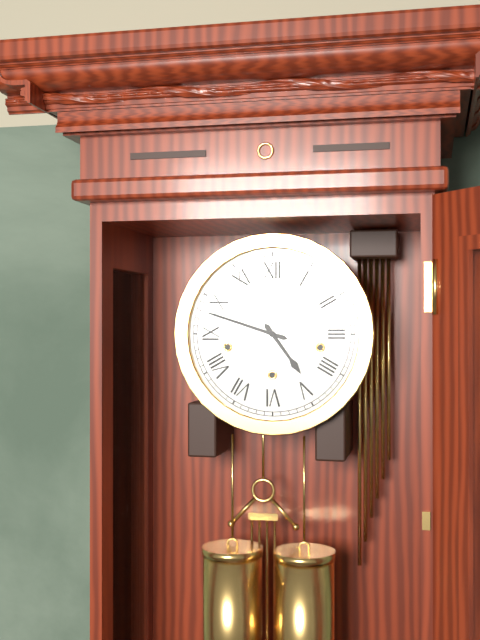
4:48
